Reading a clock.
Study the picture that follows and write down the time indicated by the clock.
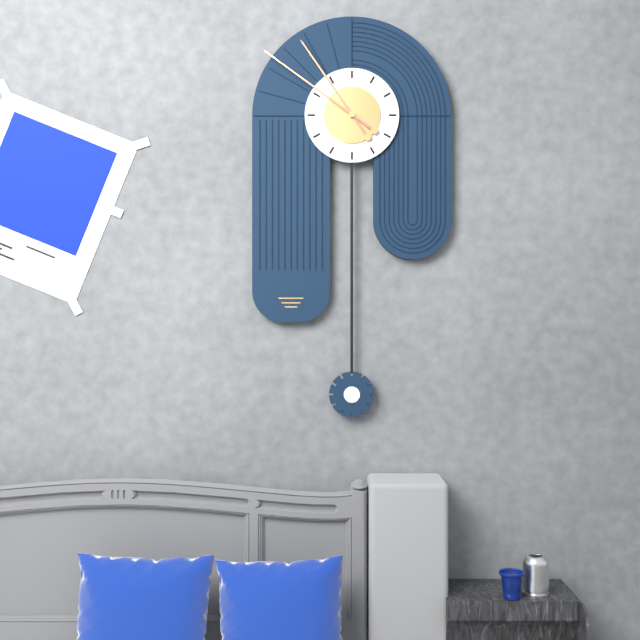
10:51
